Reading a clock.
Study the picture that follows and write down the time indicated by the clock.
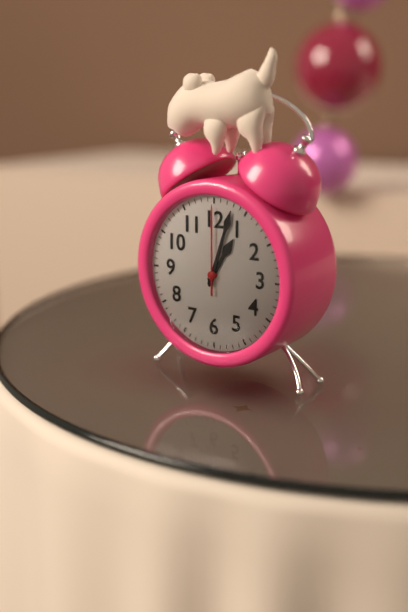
1:03:00
